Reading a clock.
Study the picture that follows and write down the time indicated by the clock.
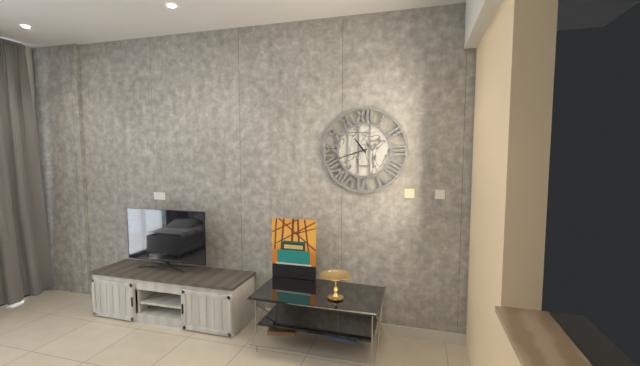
10:42
